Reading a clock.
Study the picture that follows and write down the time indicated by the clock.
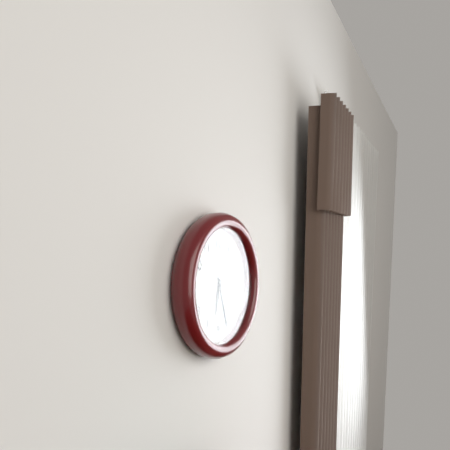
6:27
